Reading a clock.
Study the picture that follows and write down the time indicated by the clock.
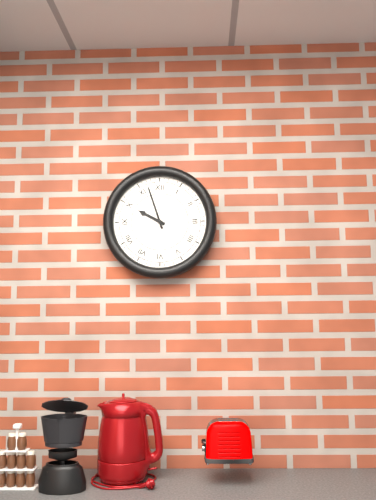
9:57
